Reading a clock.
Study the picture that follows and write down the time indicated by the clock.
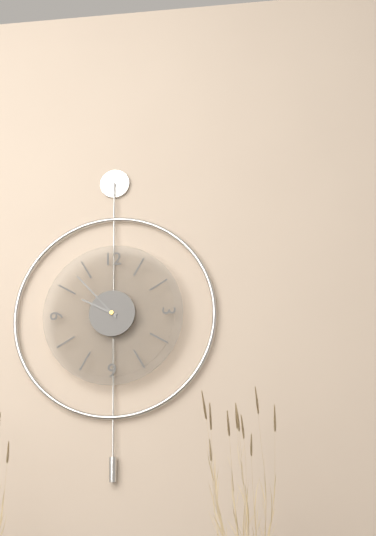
9:53
